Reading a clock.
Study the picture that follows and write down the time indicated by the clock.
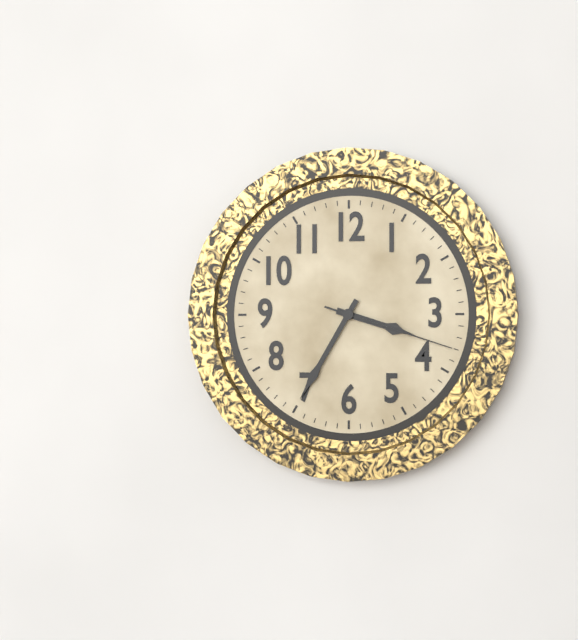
3:35:18
